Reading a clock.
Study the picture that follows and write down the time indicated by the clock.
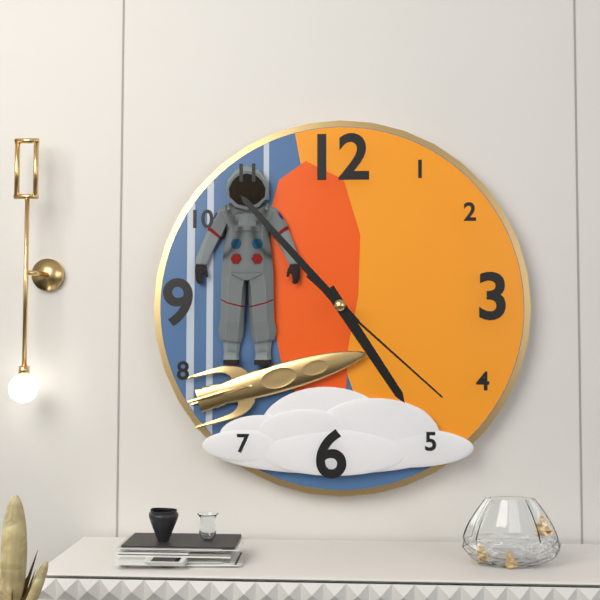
4:53:22
